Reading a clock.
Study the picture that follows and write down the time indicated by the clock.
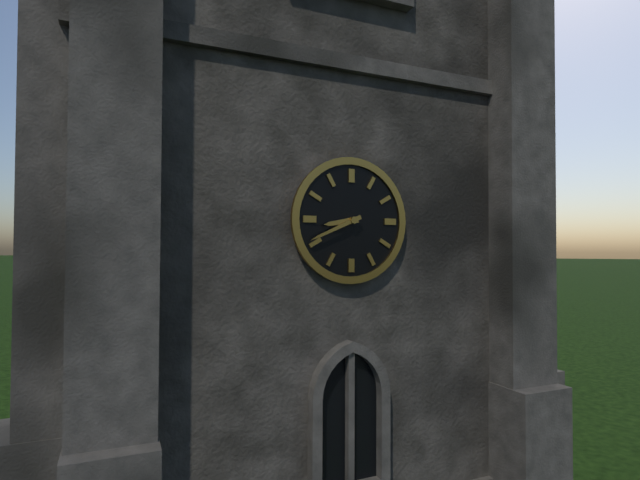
8:41
